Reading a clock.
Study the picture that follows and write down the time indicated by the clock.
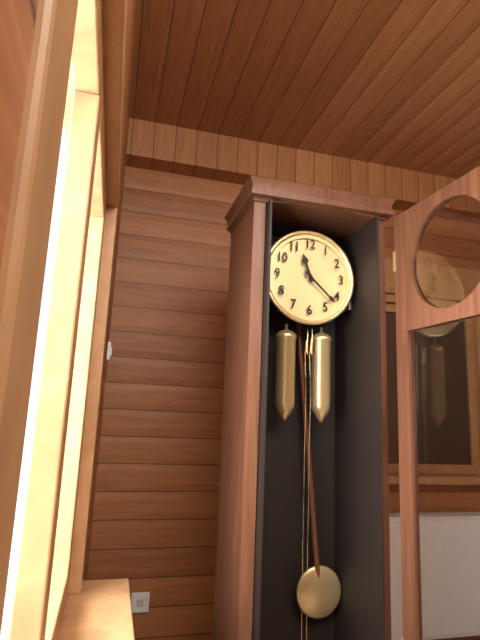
11:22
